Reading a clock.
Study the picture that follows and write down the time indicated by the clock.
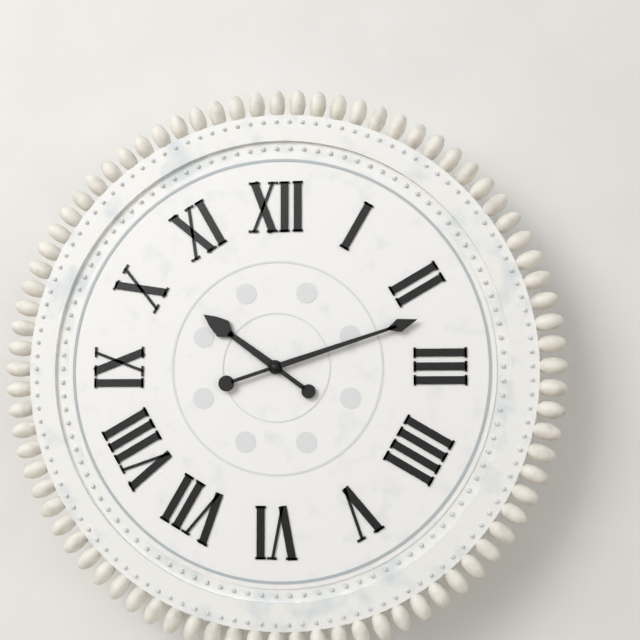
10:12
